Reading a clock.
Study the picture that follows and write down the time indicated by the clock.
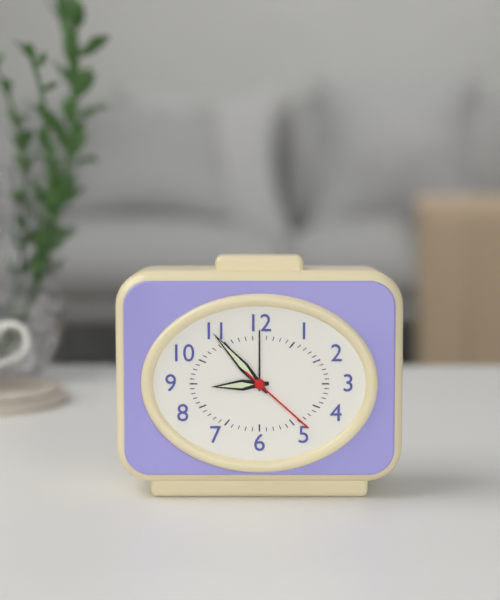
8:53:22
